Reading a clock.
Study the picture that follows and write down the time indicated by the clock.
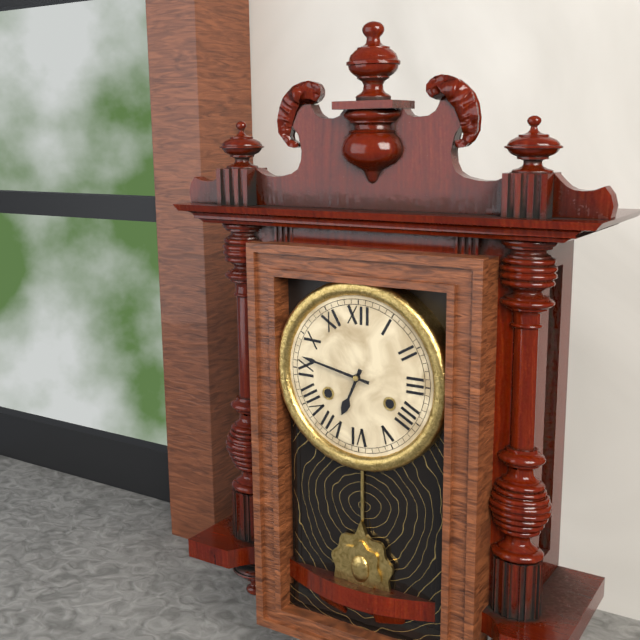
6:47
